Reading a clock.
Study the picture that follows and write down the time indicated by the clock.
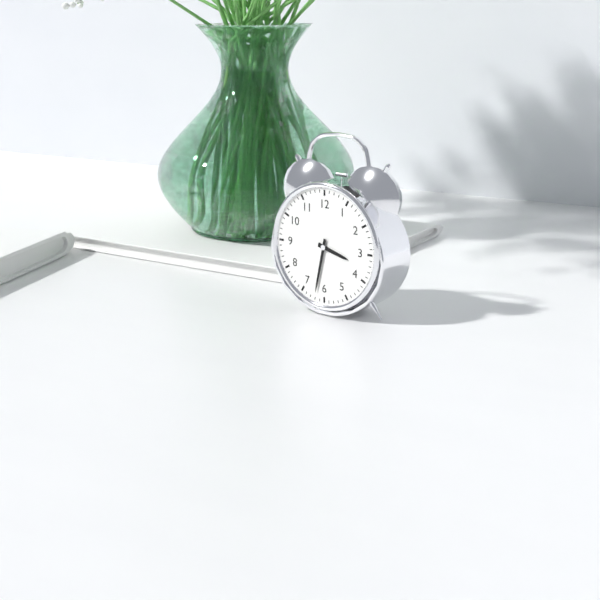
3:32
